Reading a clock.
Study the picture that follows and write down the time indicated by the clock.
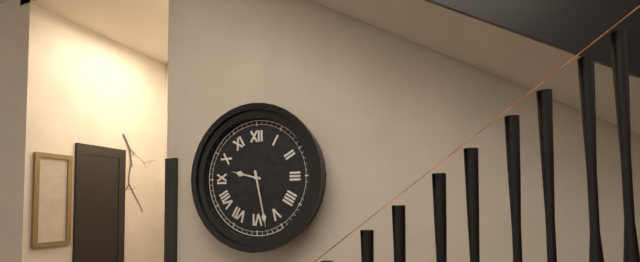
9:28
